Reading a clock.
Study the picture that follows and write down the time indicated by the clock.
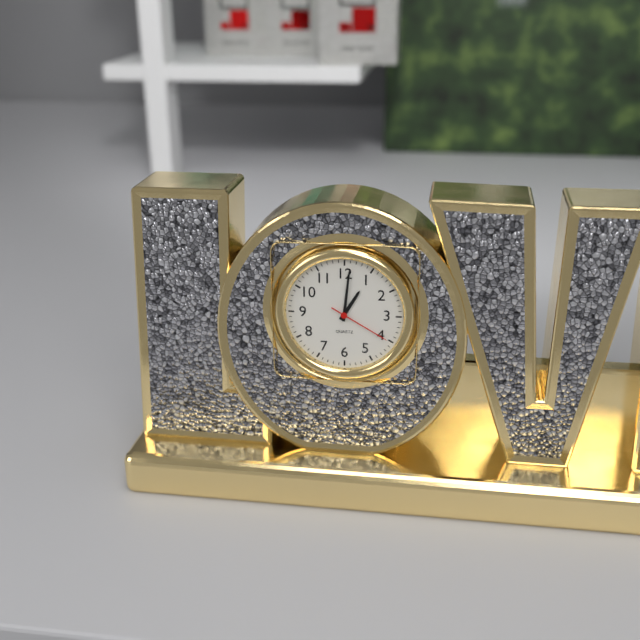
1:01:20
